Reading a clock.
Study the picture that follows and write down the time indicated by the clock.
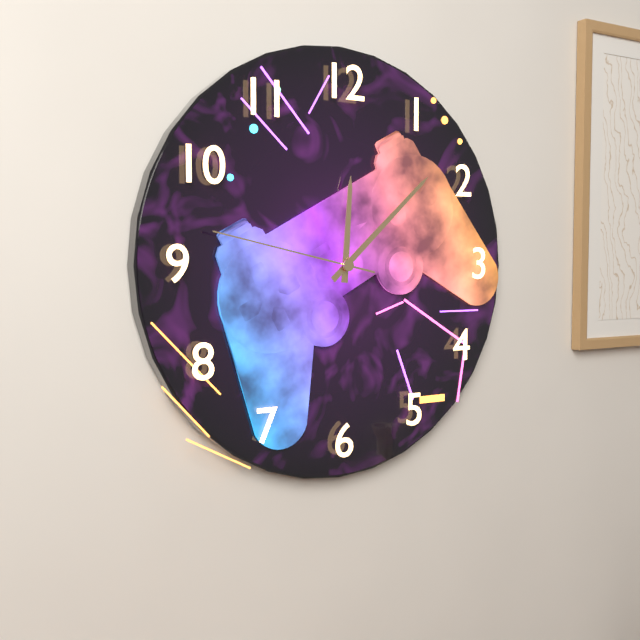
12:08:47
